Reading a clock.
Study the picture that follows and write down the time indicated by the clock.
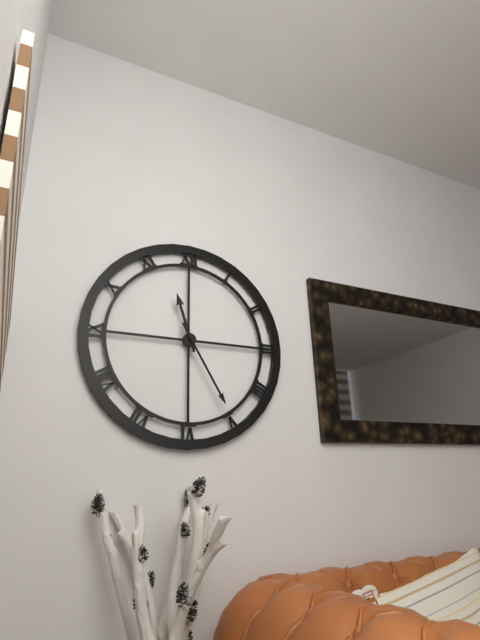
11:25
